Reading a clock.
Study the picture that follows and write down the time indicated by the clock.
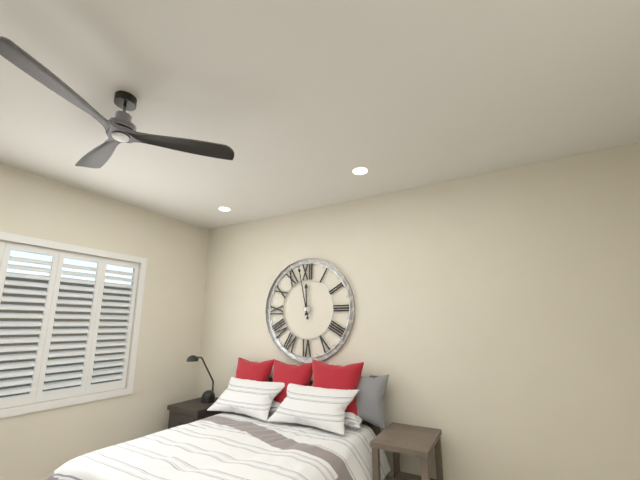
11:58
